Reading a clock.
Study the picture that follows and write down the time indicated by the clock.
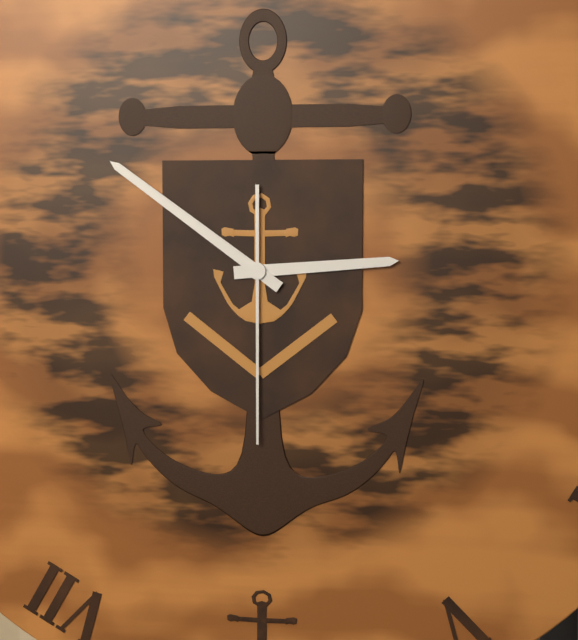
2:51:30
